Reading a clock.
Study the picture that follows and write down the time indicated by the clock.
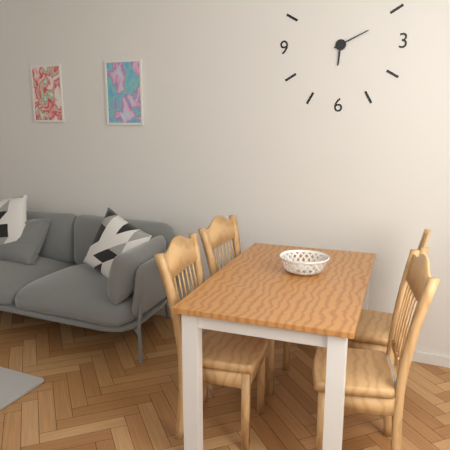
6:11
